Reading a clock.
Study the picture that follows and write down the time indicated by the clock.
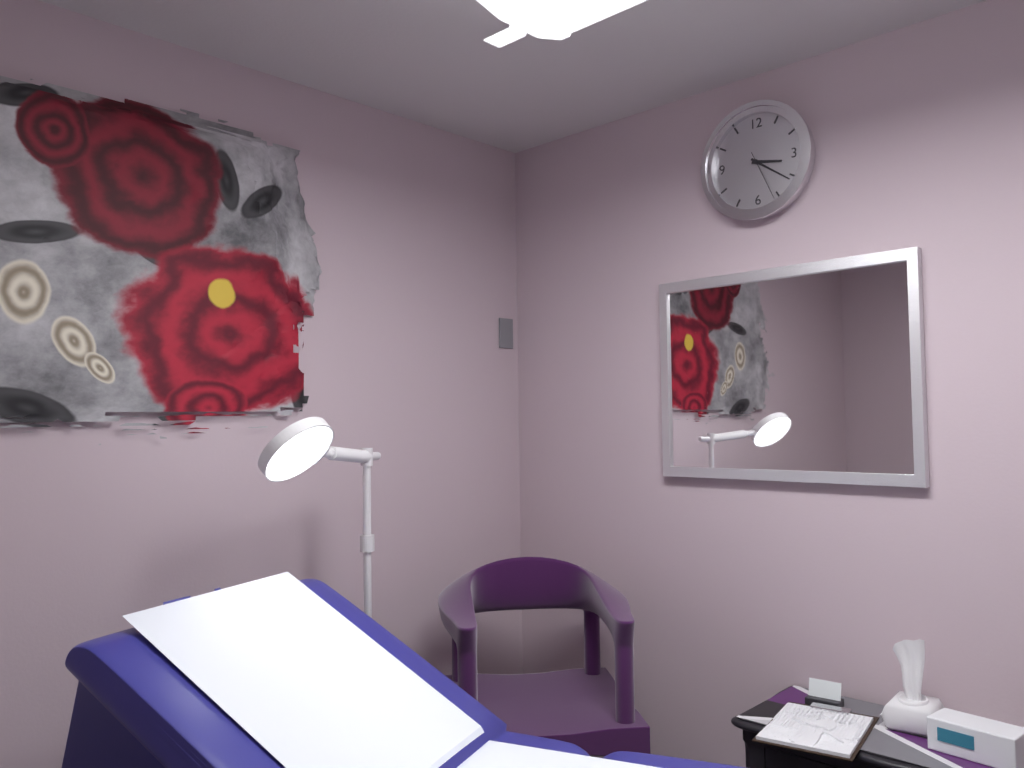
3:21:26
